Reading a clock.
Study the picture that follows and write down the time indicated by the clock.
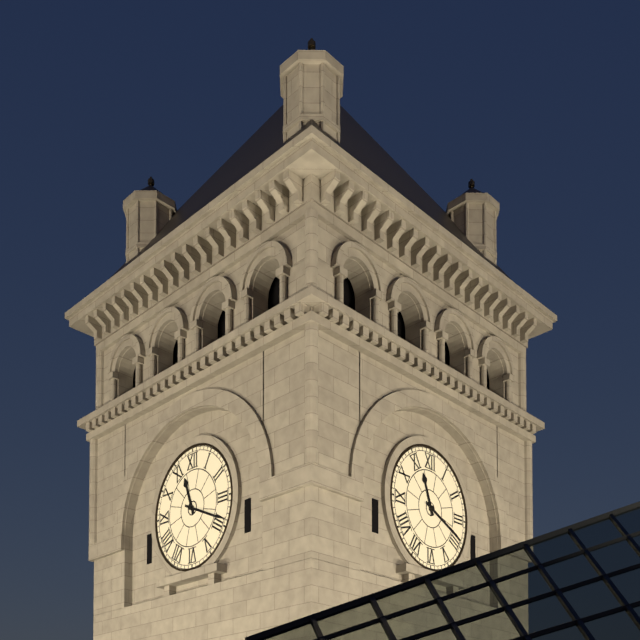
11:19
